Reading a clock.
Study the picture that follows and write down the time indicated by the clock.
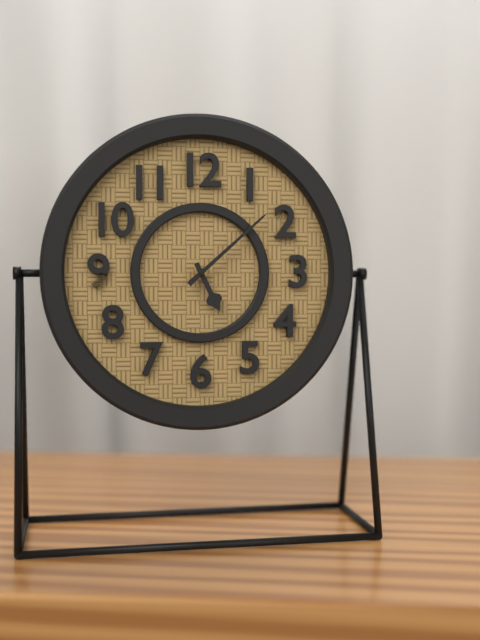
5:08
